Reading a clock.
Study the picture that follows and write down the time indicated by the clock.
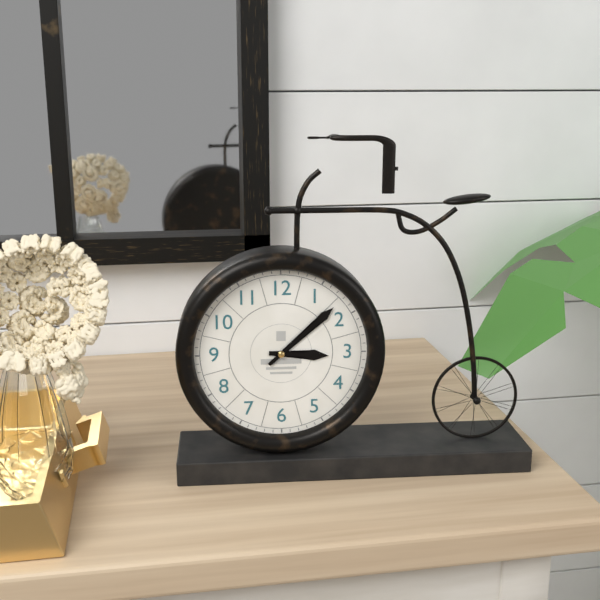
3:08
